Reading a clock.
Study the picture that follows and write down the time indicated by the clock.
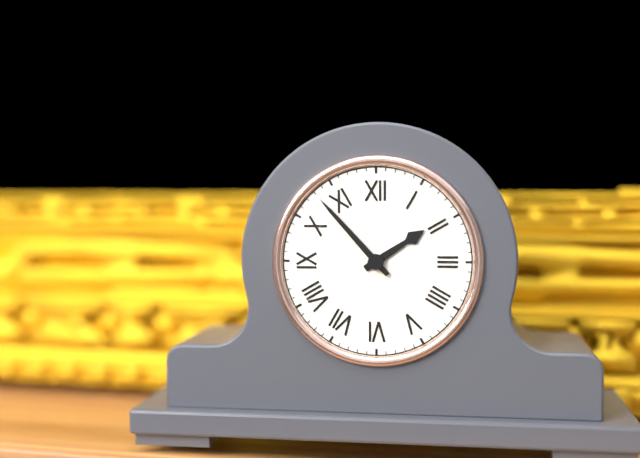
1:53
